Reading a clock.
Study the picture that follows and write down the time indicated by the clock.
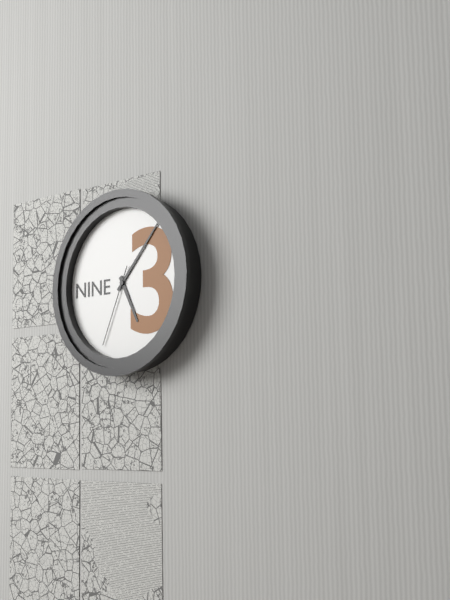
5:07:34
